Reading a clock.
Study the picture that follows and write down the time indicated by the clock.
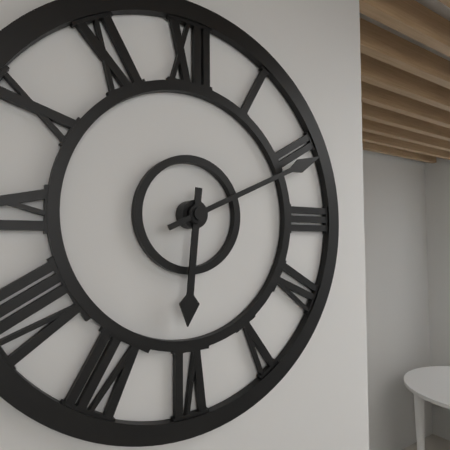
6:11
